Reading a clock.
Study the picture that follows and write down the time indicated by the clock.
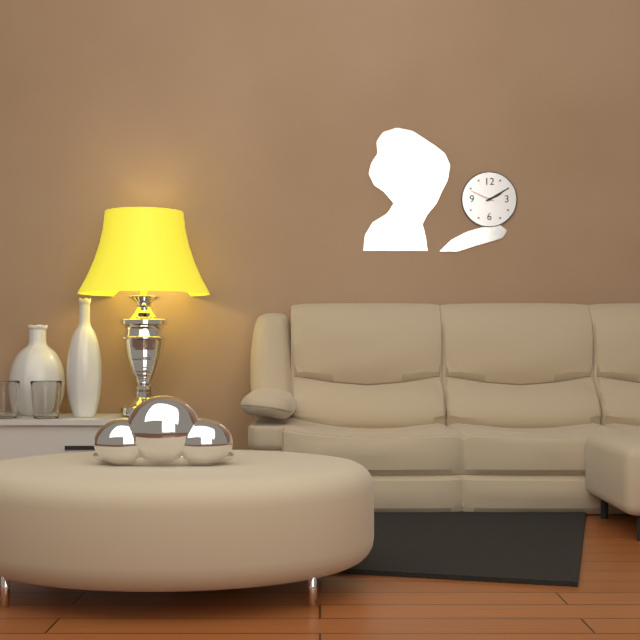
2:10
